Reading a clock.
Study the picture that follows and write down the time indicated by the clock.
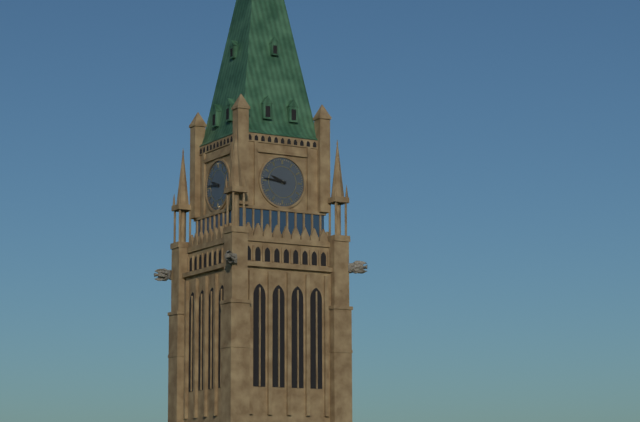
9:46
